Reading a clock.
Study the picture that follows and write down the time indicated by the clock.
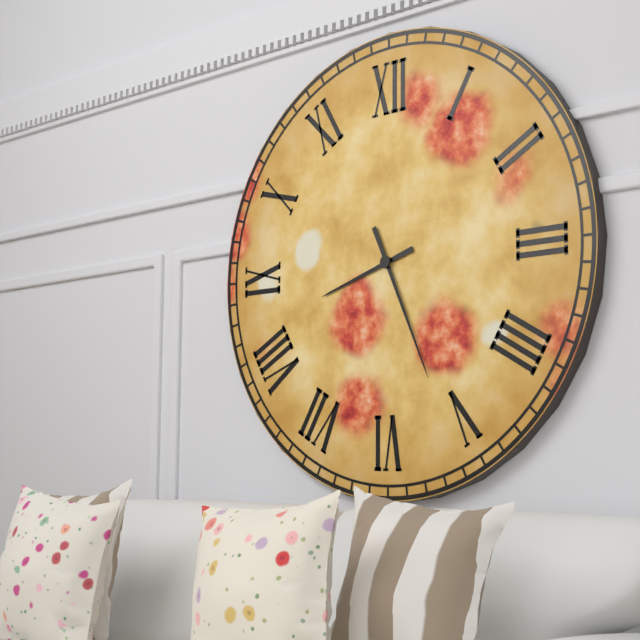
8:26
